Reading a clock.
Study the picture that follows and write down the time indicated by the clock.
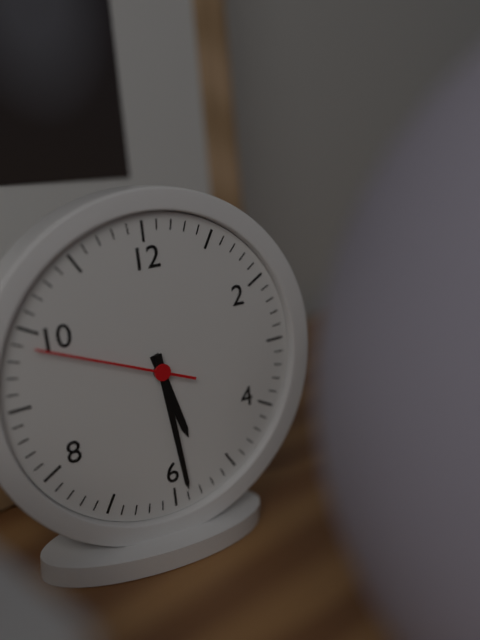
5:29:49
